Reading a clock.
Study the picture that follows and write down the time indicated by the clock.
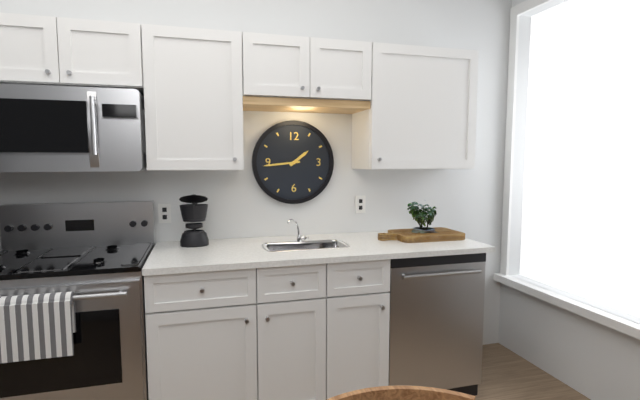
1:44
